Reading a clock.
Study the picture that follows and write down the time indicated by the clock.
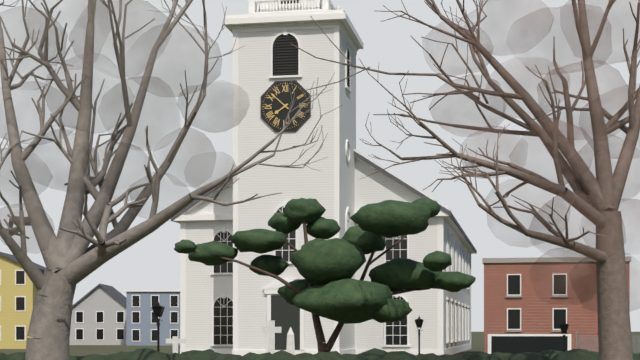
7:52
